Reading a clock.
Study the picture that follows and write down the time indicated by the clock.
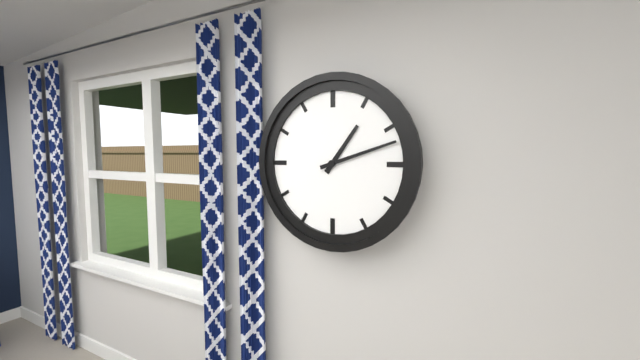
1:12
